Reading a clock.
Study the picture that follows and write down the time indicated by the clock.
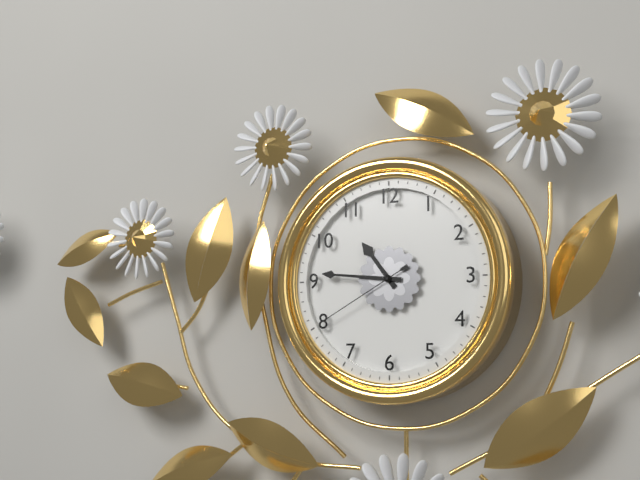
10:46:40
